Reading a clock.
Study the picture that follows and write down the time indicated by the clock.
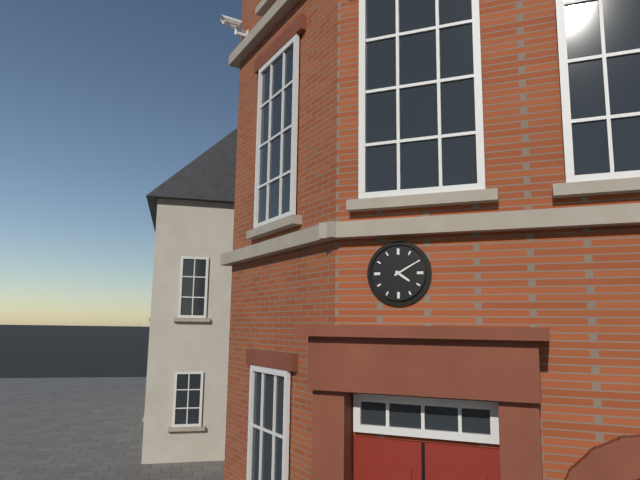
4:10
